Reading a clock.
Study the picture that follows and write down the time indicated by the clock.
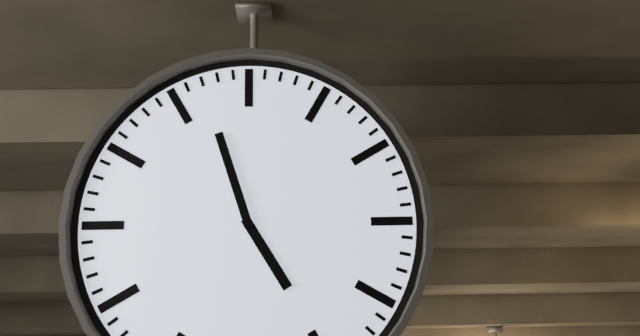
4:57
